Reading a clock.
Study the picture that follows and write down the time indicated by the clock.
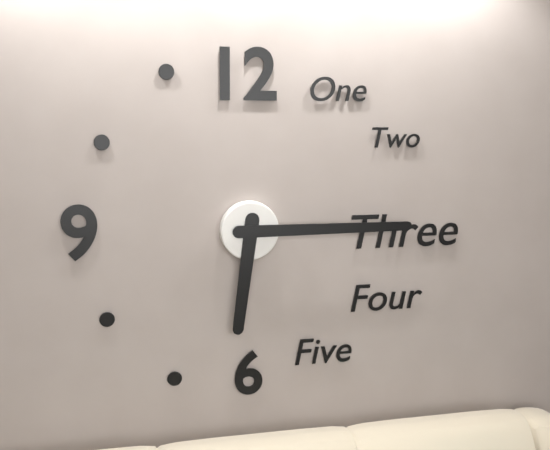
6:15
